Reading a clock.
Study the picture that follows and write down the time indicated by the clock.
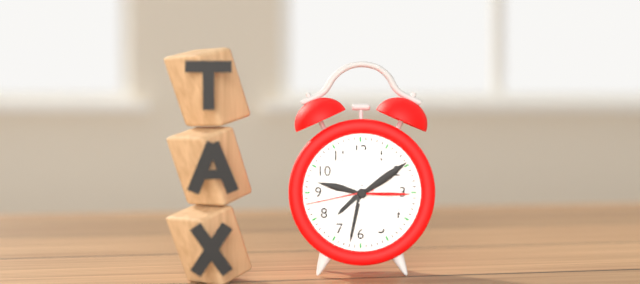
7:32:43
